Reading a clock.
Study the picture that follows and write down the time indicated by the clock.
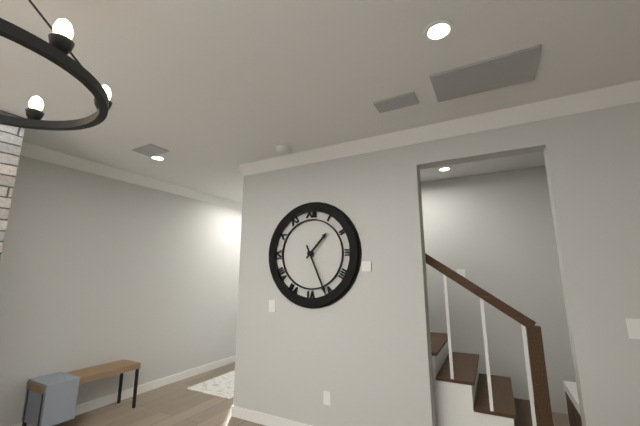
1:26
